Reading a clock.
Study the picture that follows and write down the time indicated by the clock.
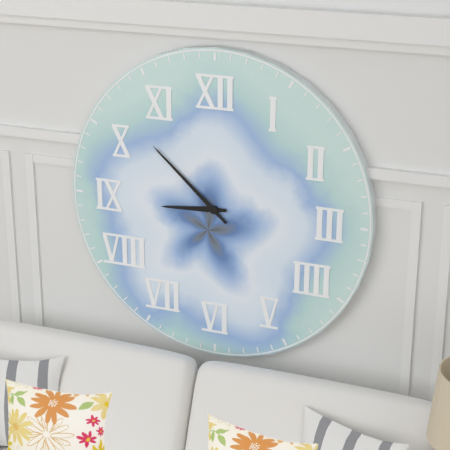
8:52
